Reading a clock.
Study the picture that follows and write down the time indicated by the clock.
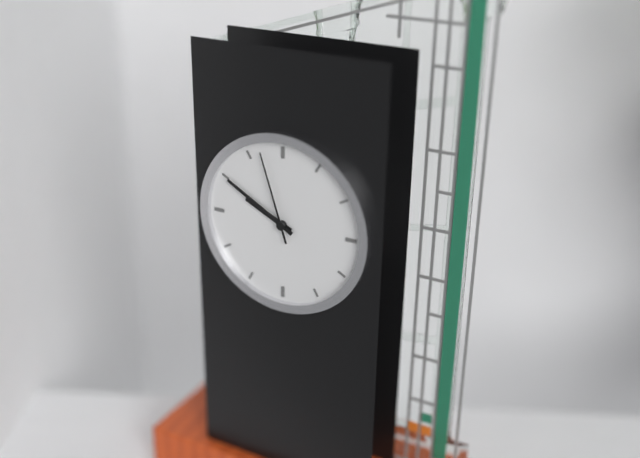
9:50:57
